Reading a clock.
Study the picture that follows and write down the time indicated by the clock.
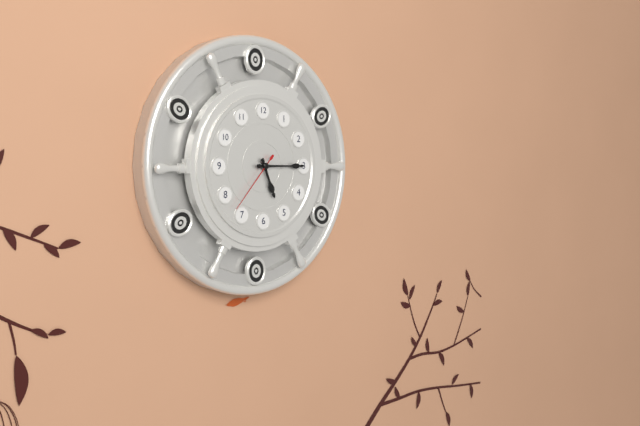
5:15:37
